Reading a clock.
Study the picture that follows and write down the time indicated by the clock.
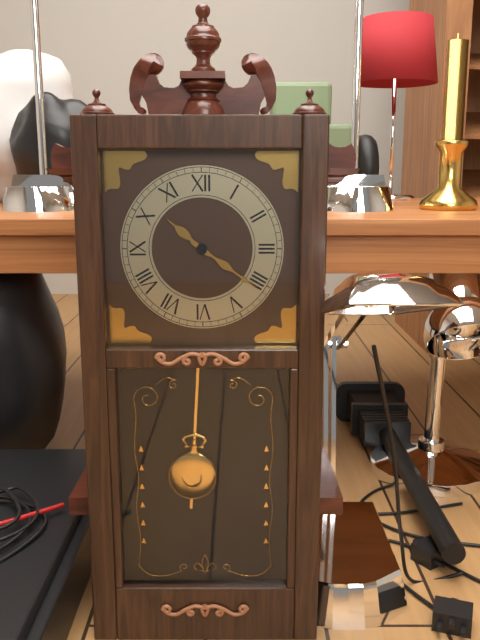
10:21
